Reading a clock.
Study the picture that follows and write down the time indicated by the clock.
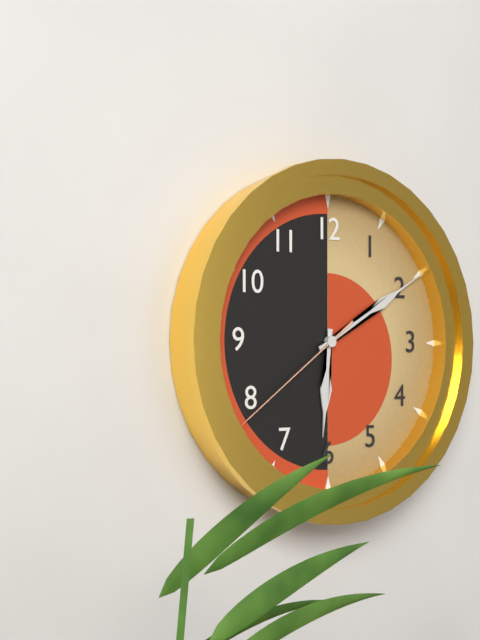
6:10:39
